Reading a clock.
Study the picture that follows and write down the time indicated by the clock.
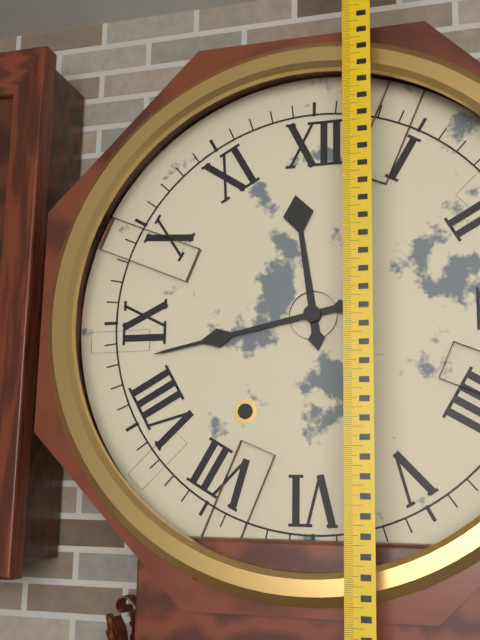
11:43
